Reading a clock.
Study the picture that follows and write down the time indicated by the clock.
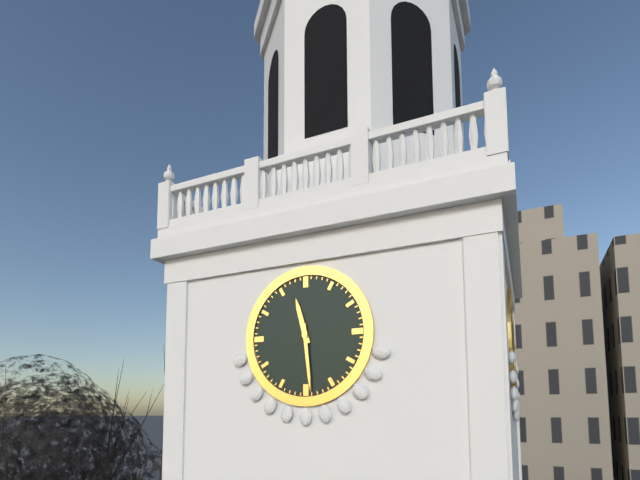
11:29
